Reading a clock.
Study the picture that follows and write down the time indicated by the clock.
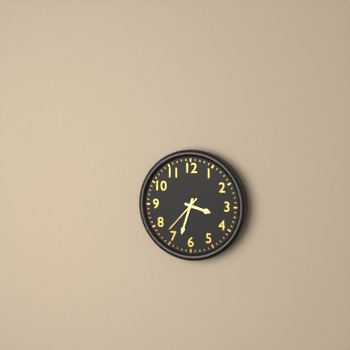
3:33
